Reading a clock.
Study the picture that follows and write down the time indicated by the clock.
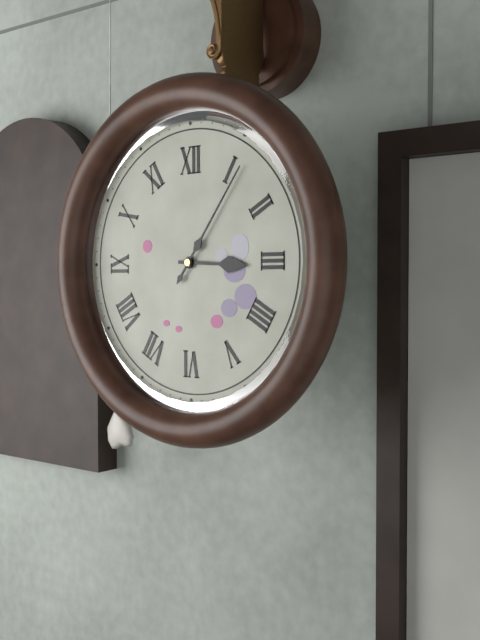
3:06
